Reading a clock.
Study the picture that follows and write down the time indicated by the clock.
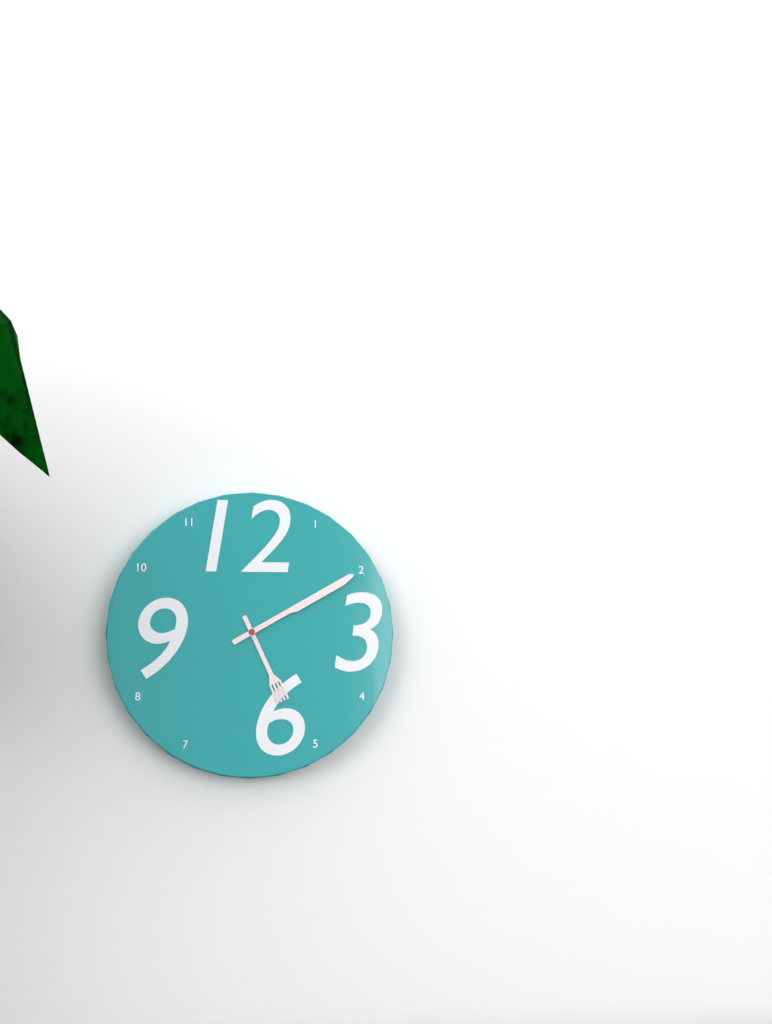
5:10
